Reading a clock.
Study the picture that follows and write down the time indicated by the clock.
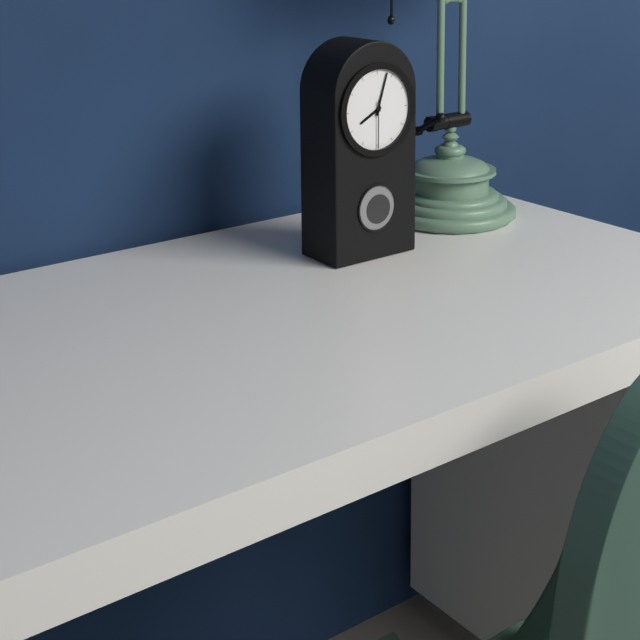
8:03
